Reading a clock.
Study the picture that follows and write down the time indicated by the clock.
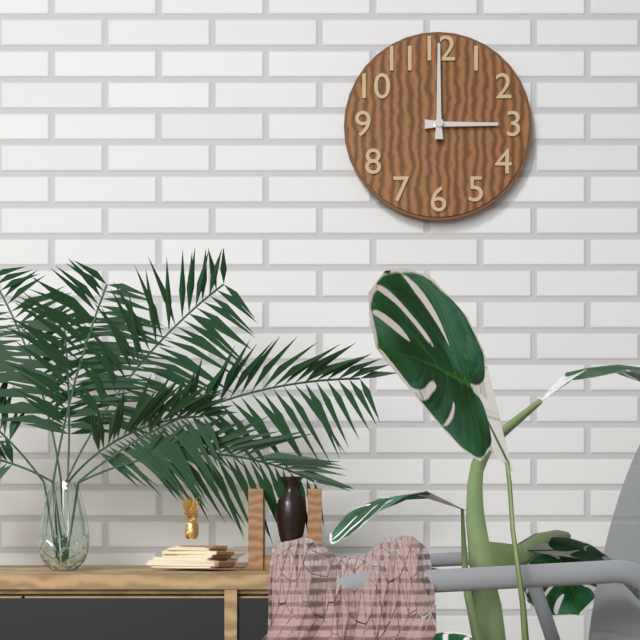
3:00
